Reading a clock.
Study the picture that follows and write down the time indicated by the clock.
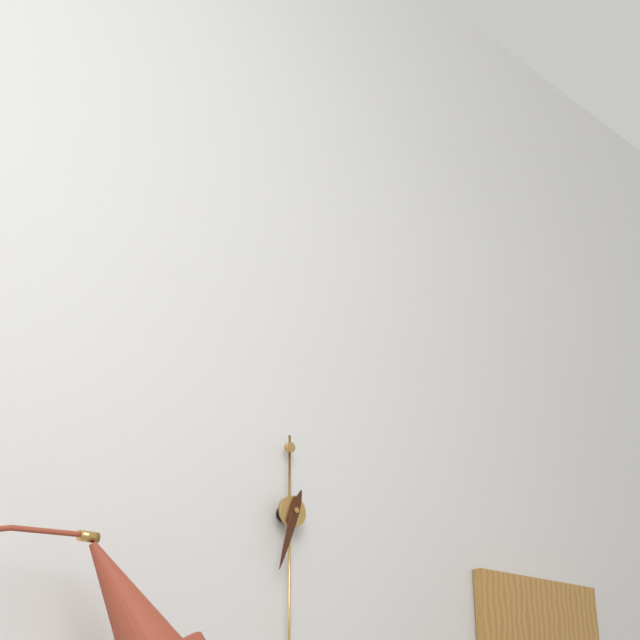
6:33
